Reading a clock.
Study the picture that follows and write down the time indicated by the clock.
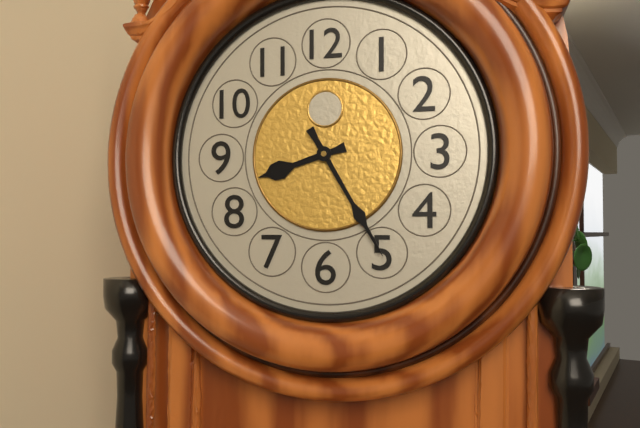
8:25
